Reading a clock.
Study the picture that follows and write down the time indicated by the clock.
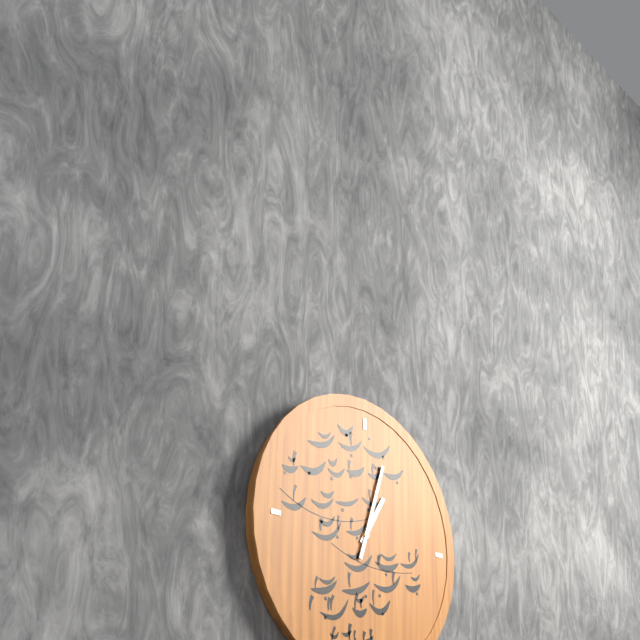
1:03
